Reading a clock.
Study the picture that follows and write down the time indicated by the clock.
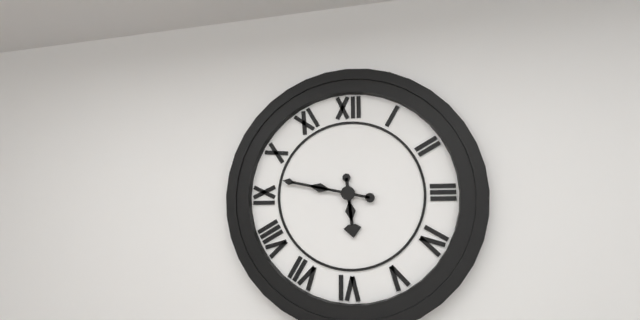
5:47
